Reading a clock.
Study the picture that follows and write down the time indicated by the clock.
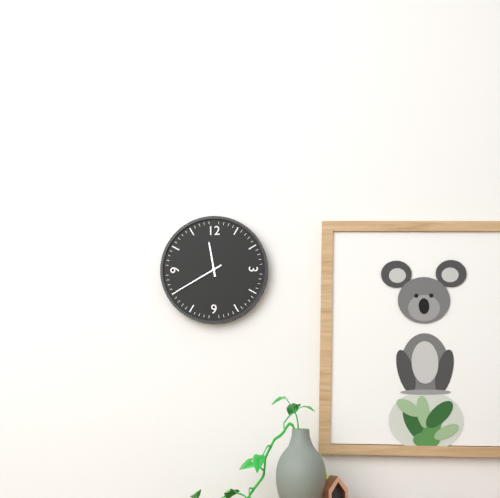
11:40
